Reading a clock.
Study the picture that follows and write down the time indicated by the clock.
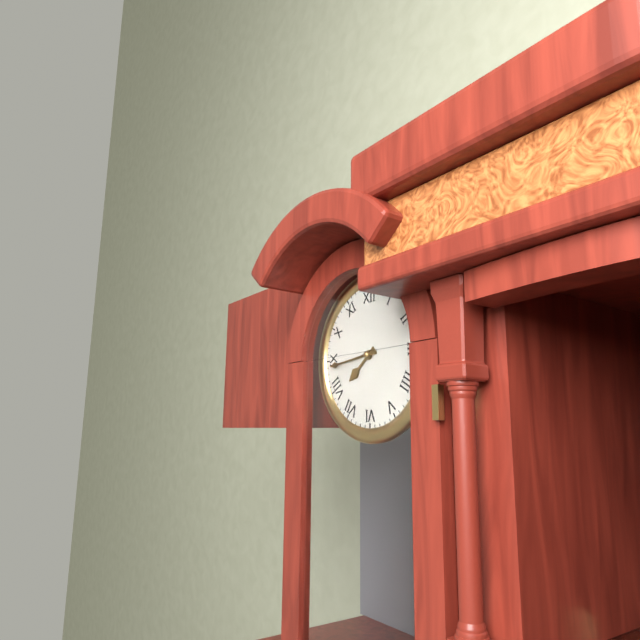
7:44
